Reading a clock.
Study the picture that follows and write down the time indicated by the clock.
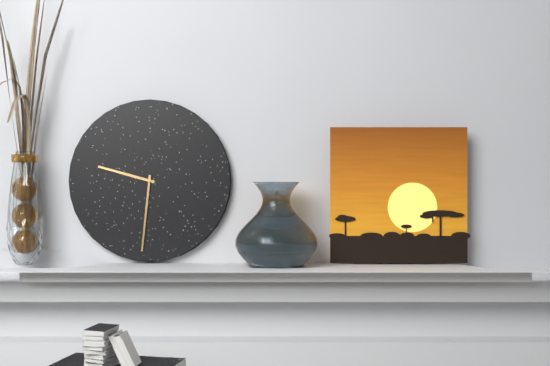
9:31
